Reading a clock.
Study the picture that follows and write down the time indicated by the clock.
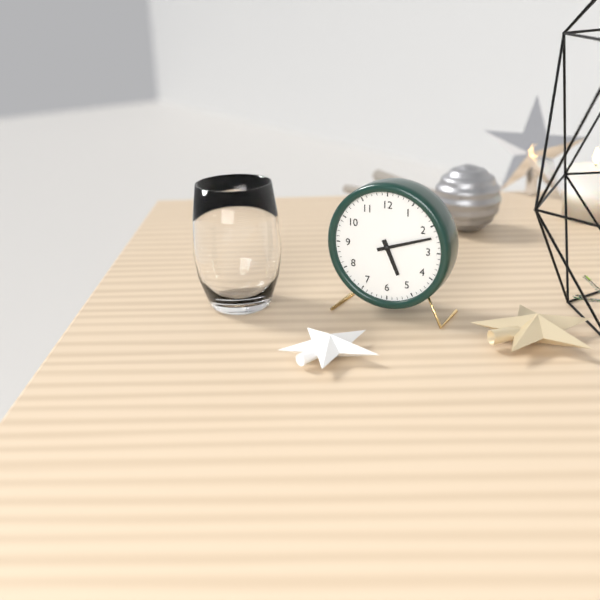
5:12
